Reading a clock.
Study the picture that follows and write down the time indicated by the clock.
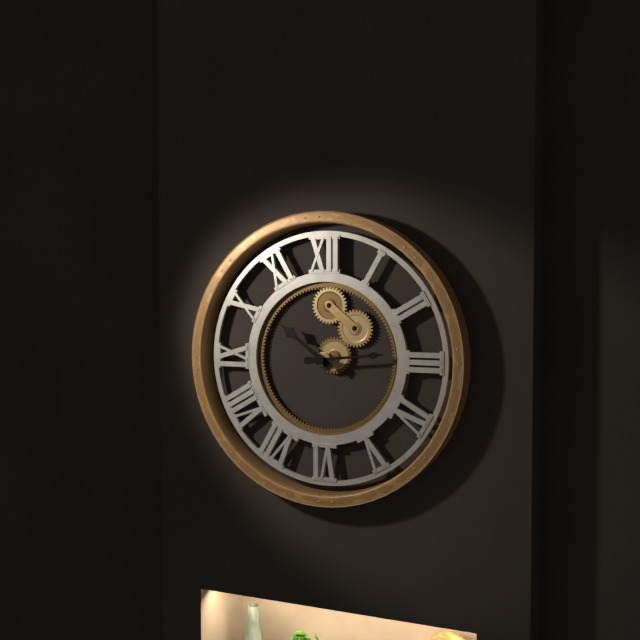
10:14
